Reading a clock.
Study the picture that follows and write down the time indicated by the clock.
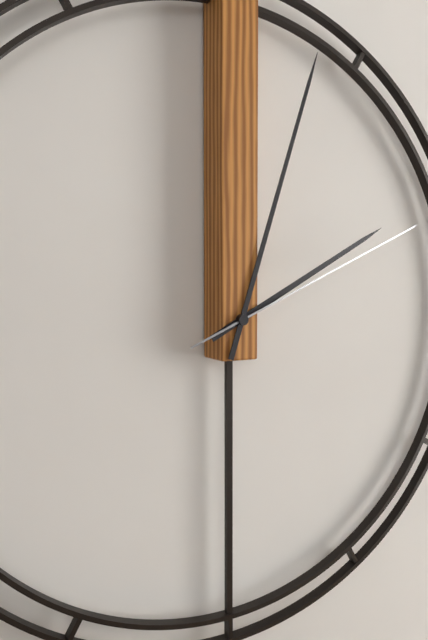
2:03:11
